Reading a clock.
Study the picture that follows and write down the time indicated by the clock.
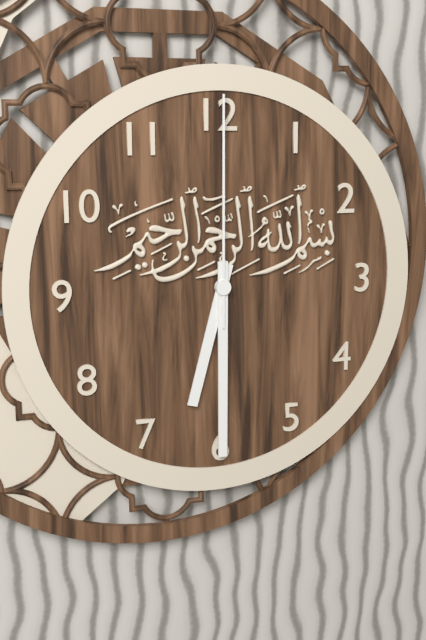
6:30:00
